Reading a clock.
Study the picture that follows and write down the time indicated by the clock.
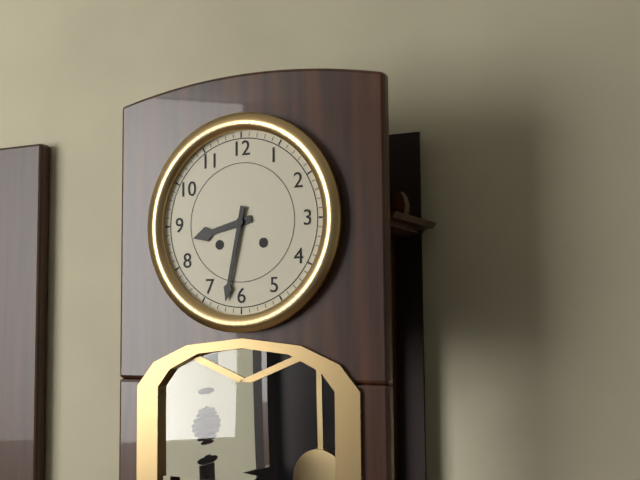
8:32
